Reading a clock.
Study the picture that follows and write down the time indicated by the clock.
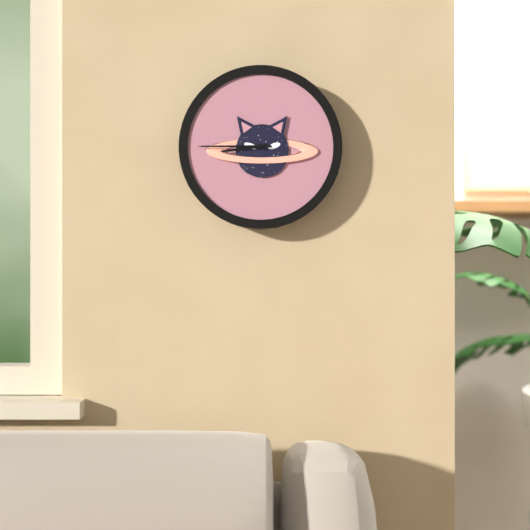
8:45
